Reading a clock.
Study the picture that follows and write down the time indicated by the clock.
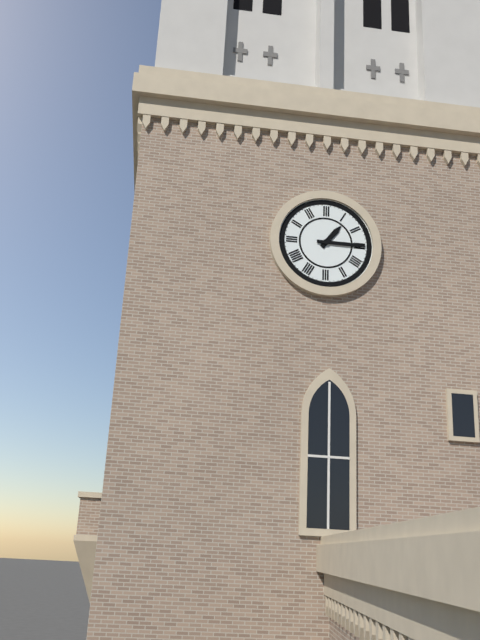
1:15
